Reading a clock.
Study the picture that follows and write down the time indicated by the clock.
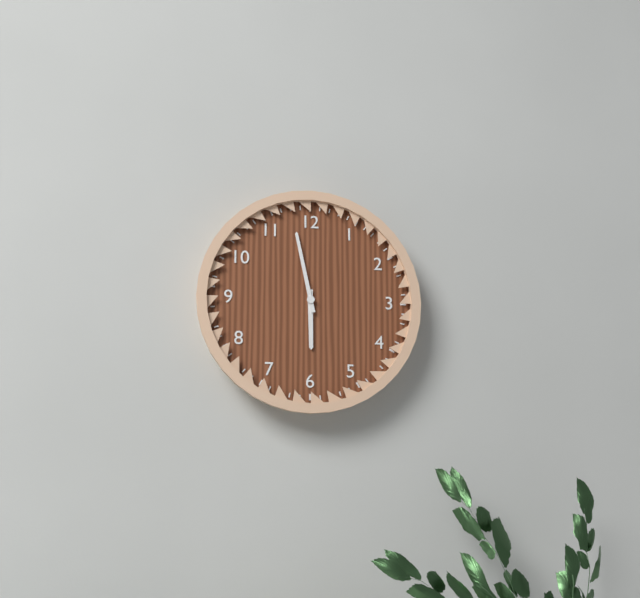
5:58
